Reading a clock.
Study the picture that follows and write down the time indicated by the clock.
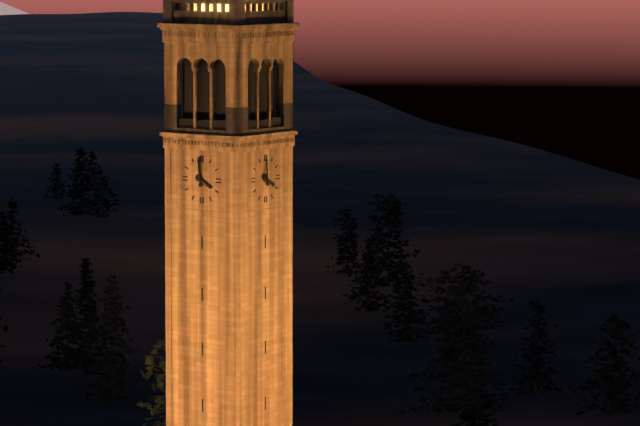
3:59
